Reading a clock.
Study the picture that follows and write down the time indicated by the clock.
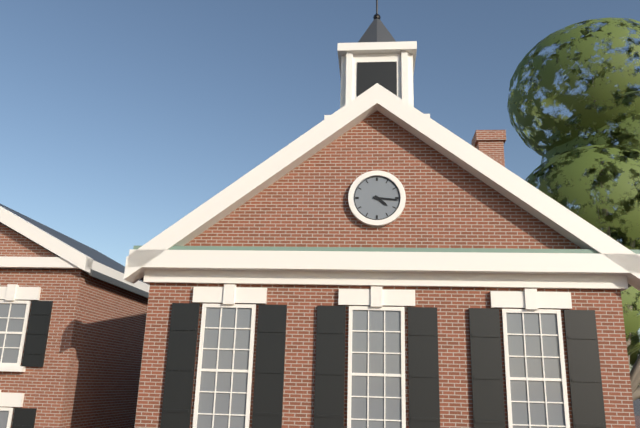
4:16
